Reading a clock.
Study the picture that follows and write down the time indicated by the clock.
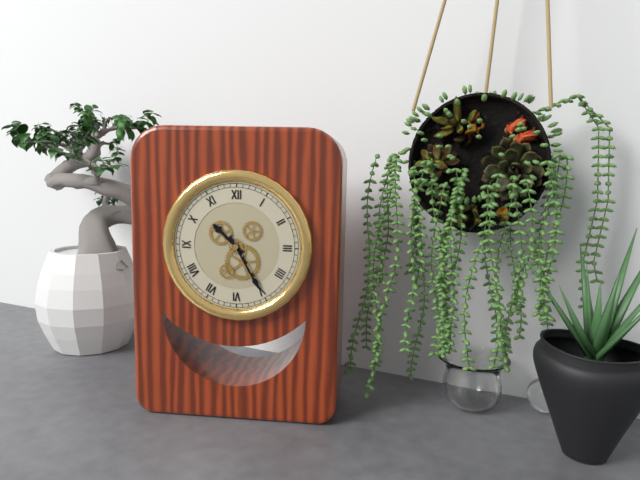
10:25
